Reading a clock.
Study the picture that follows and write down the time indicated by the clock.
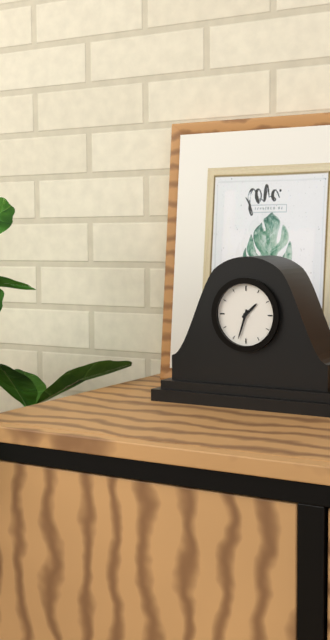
1:33
